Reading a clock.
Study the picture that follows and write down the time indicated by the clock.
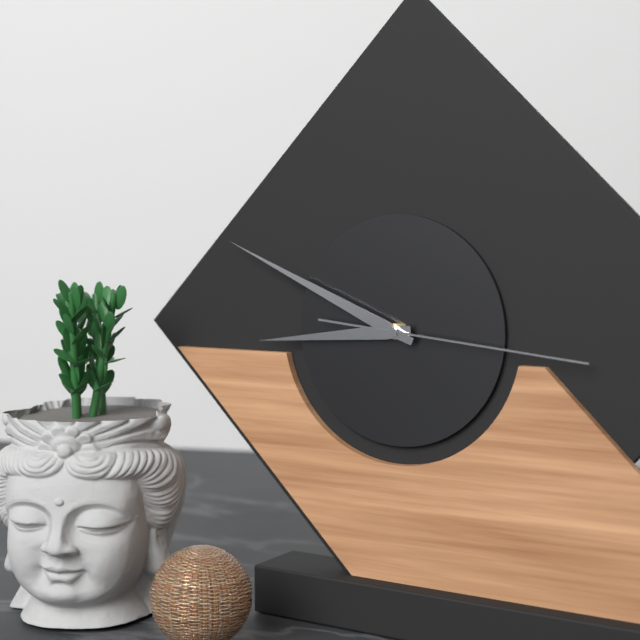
8:49:16
